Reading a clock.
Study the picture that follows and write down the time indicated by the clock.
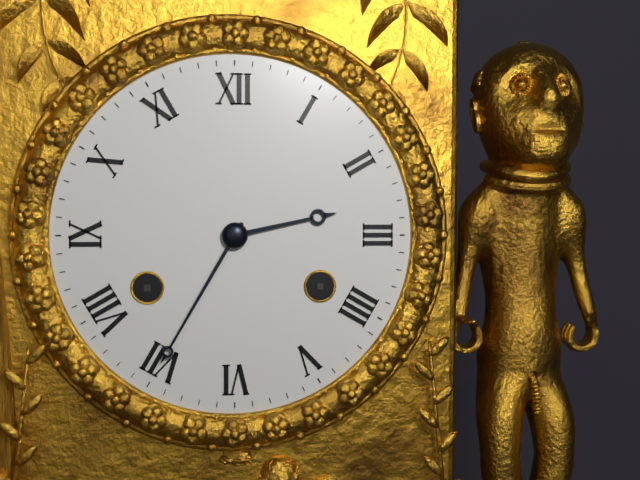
2:35
